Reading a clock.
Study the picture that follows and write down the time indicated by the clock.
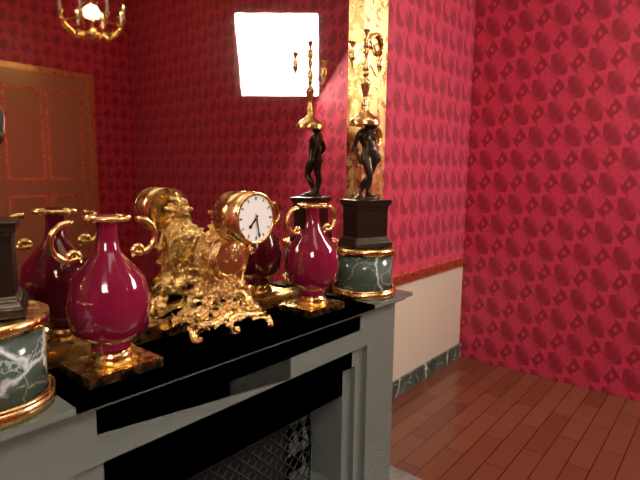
7:28
